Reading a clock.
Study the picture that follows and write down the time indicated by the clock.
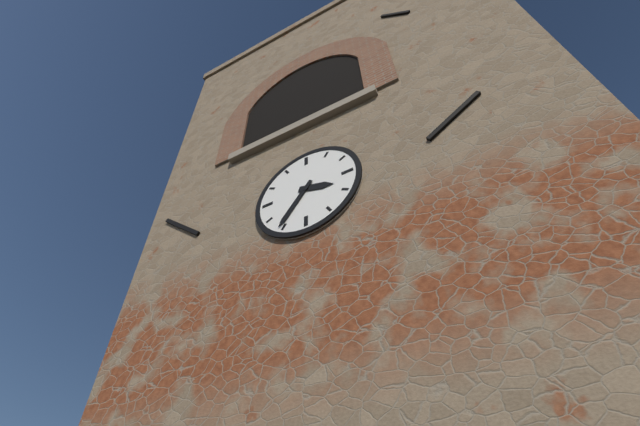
3:36
